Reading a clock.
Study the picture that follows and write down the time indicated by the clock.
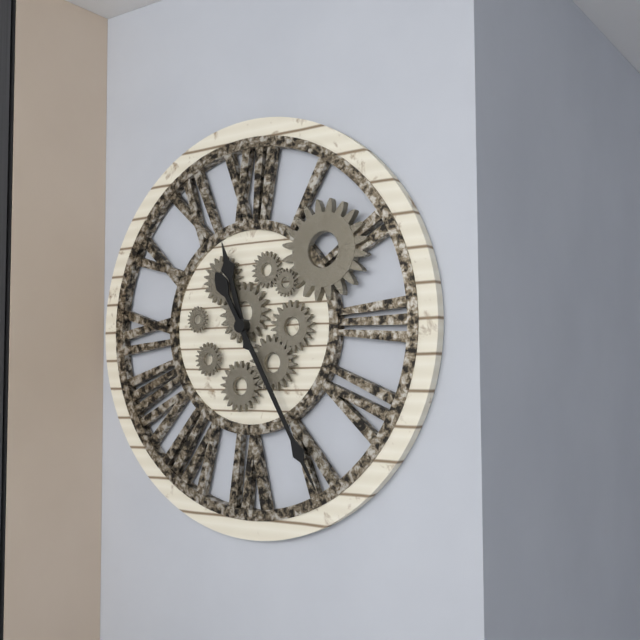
11:25
